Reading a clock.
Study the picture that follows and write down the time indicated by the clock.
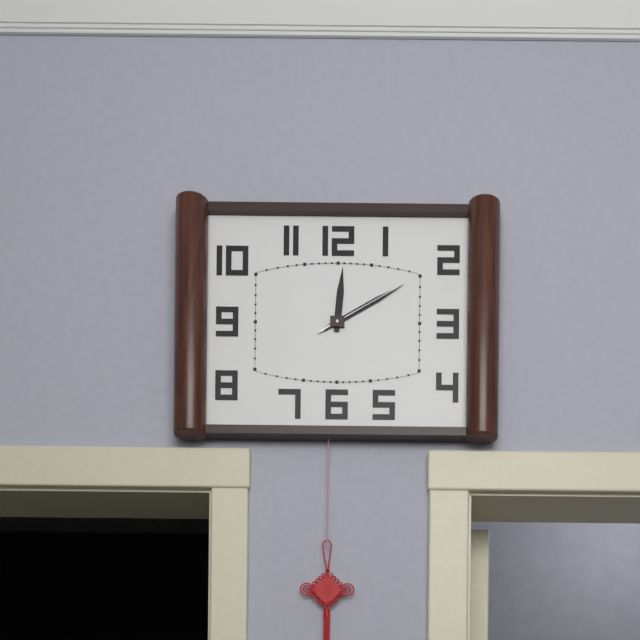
12:10:10
